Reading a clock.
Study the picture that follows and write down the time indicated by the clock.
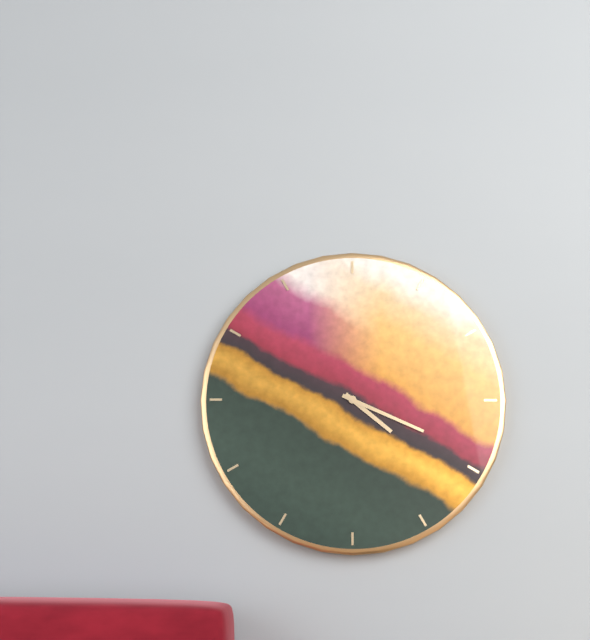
4:19
